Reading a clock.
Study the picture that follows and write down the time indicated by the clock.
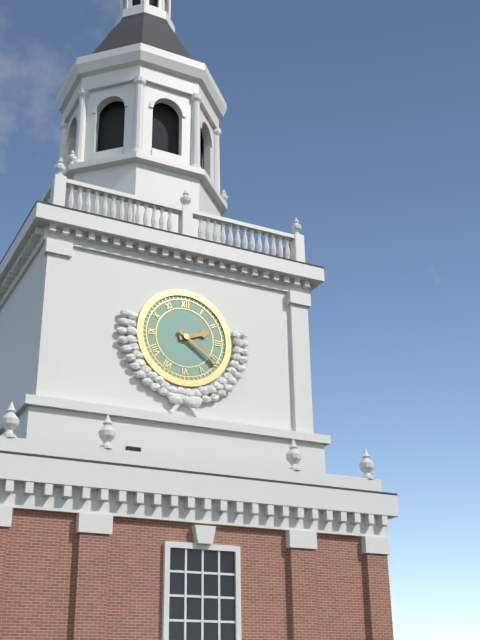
2:21
